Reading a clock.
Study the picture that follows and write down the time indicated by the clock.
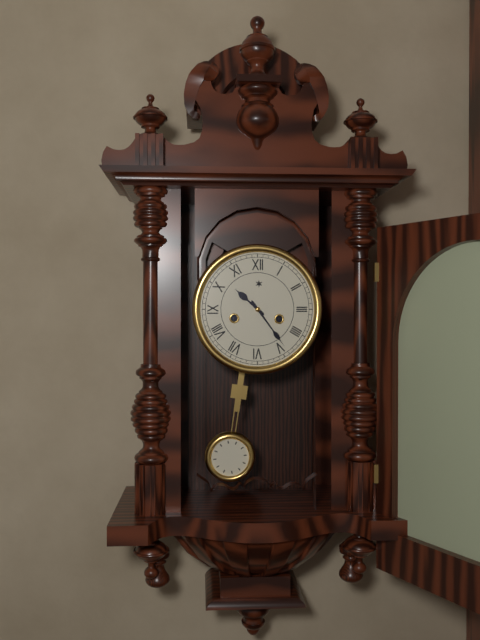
10:24
